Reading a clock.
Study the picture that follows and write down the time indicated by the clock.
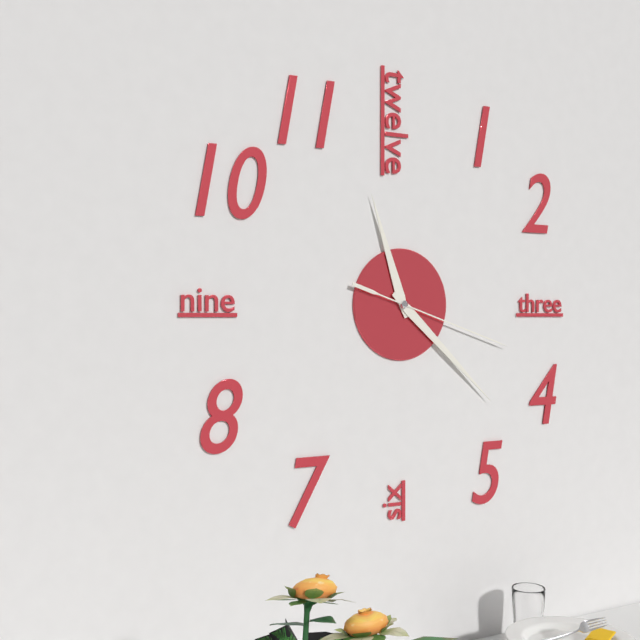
11:22:18
